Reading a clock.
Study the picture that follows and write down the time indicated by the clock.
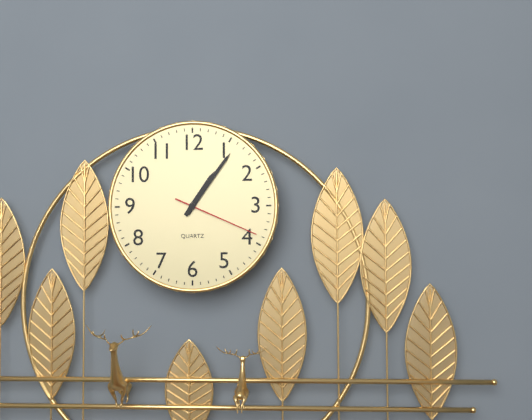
1:06:19
